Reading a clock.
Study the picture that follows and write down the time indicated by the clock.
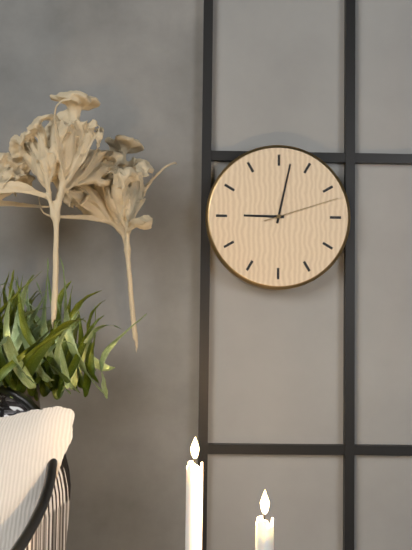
9:02:12
